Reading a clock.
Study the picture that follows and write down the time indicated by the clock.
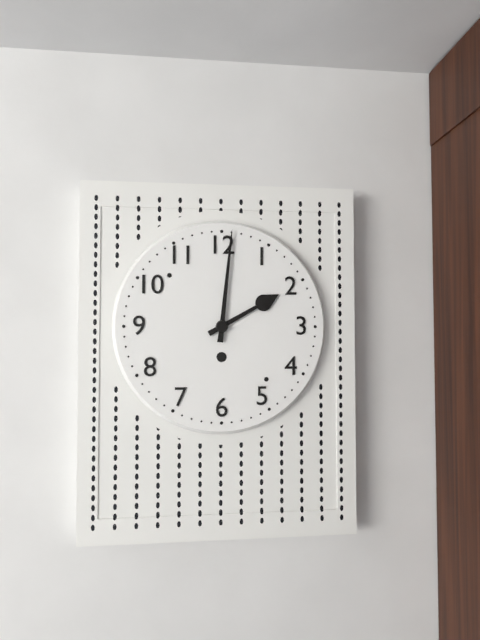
2:01
